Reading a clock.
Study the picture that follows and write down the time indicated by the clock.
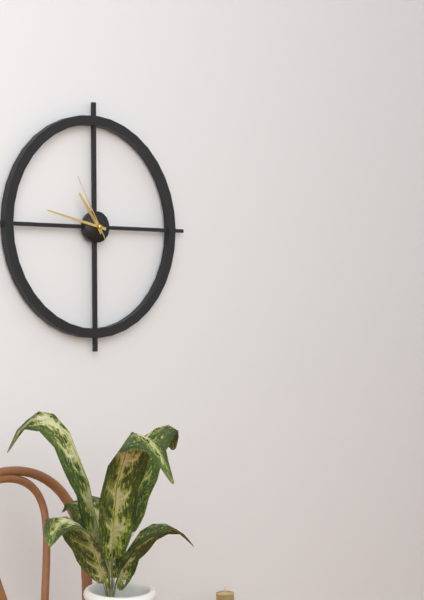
10:47:55
